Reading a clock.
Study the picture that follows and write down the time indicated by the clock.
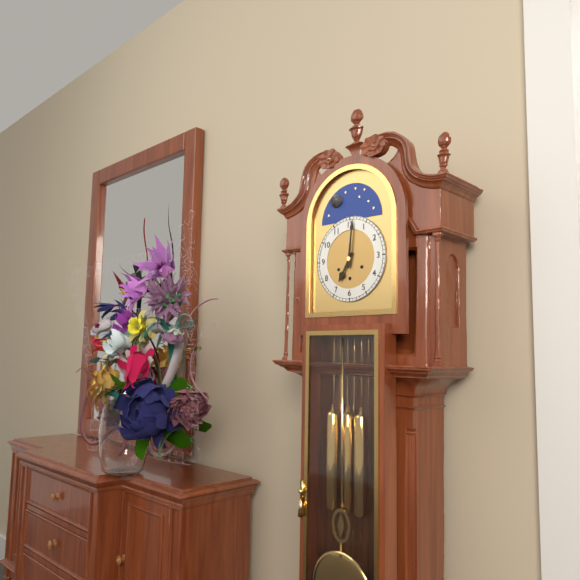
7:01
